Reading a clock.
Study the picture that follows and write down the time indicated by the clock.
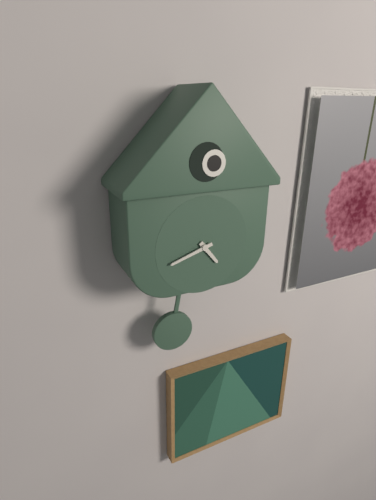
4:42
